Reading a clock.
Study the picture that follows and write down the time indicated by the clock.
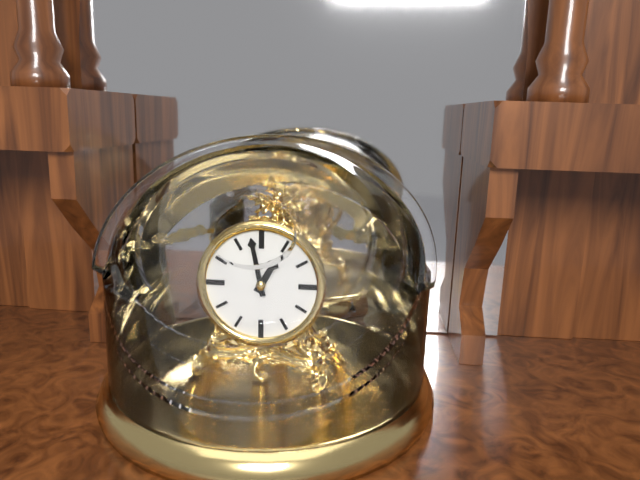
12:58
